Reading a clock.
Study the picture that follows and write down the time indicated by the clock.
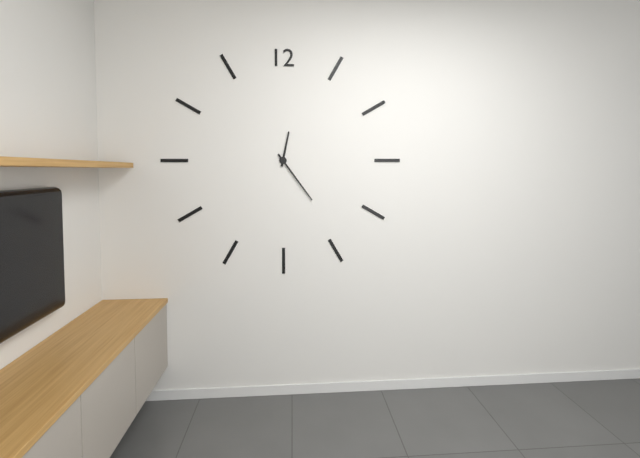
12:24
